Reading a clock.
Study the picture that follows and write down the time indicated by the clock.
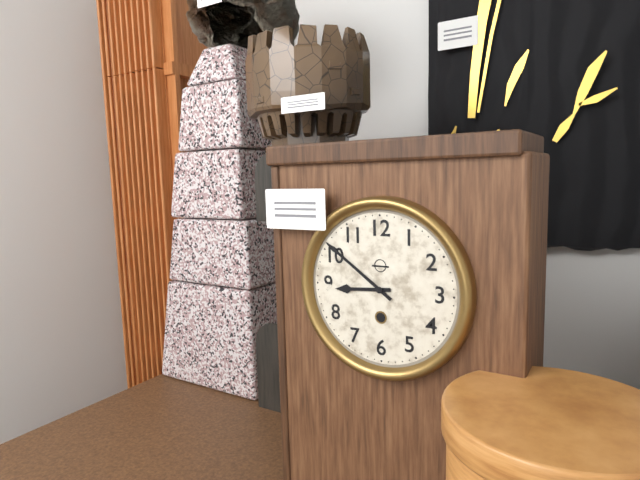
8:51
